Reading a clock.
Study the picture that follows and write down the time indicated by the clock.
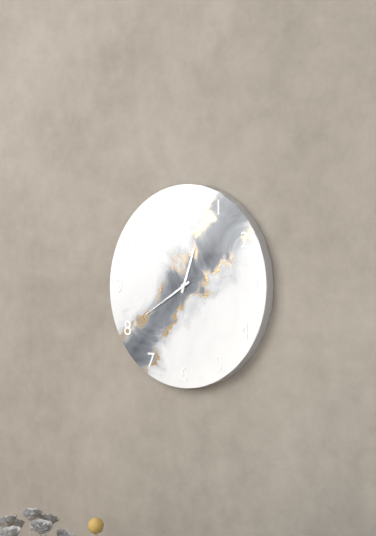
12:40
